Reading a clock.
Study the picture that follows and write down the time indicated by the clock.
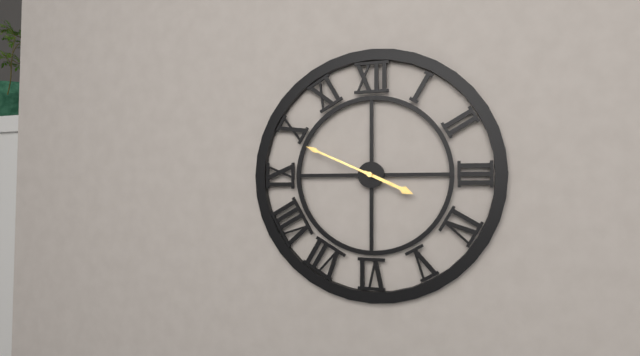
3:49
